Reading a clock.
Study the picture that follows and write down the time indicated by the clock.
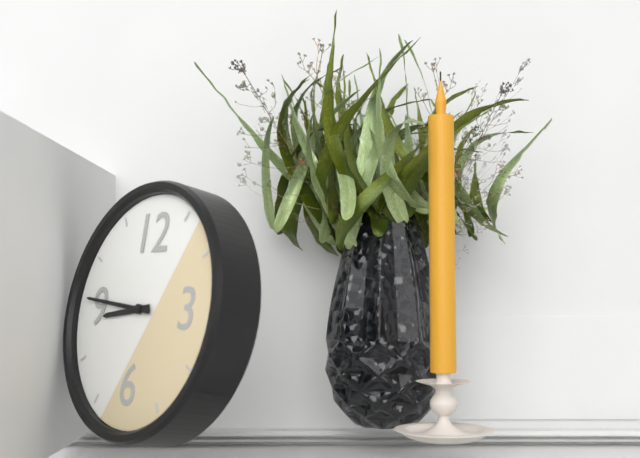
8:46
